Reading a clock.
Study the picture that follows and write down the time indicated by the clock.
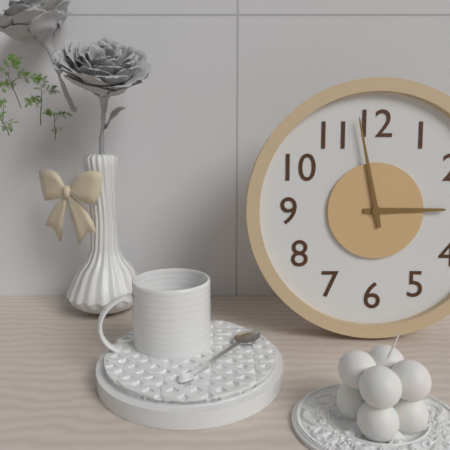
2:58
